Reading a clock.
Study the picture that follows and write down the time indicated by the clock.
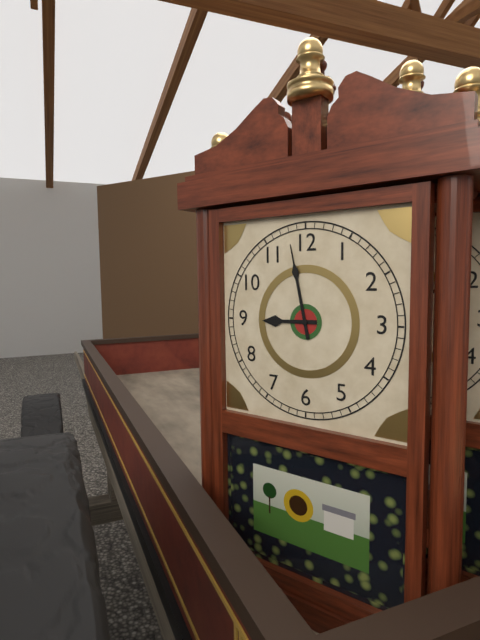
8:58
